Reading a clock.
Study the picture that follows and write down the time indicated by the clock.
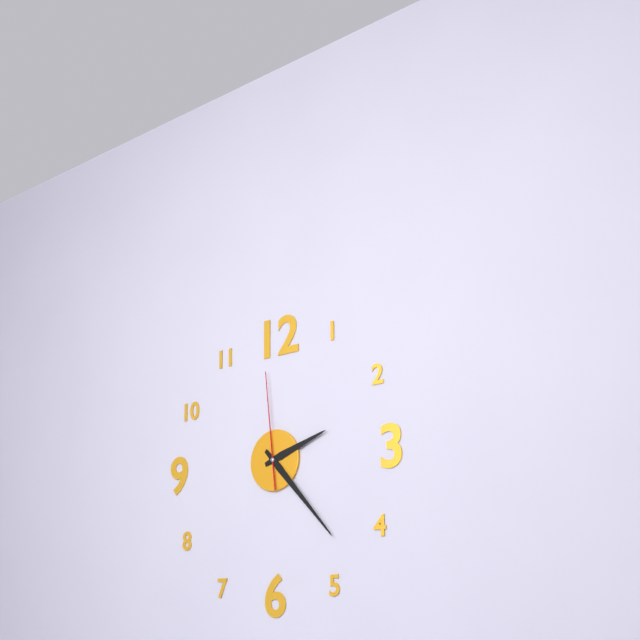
2:23:59
